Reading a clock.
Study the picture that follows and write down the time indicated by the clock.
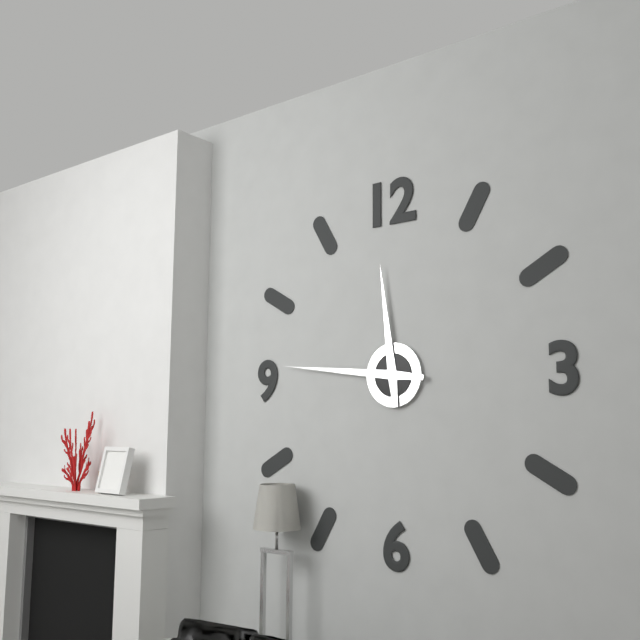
11:46
